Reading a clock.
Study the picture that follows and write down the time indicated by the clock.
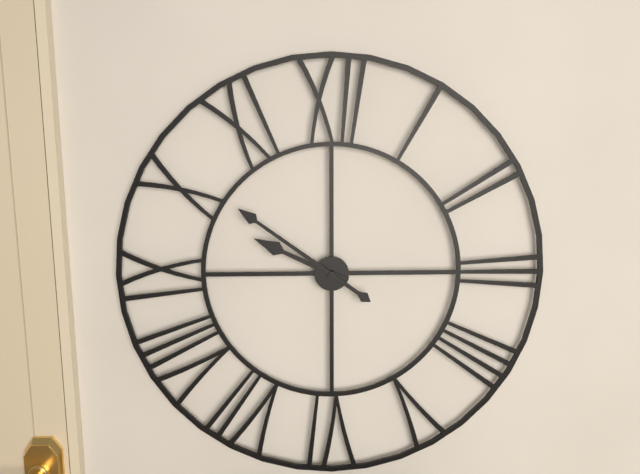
9:51
